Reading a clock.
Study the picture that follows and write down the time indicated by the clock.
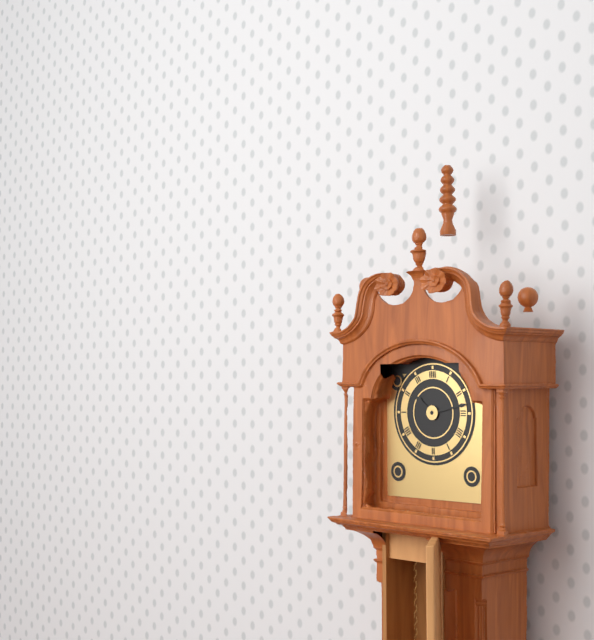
10:13
